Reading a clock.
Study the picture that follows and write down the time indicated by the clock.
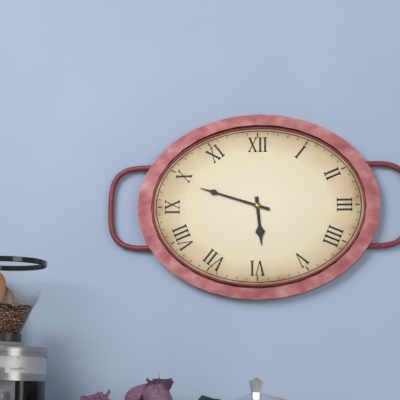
5:48
